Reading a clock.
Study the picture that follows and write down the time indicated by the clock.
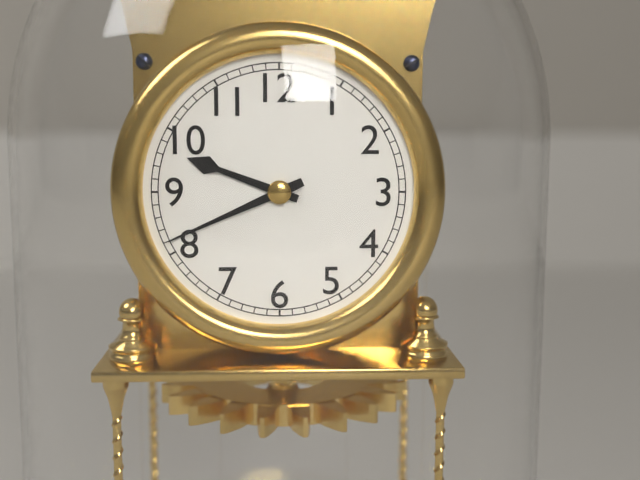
9:41
